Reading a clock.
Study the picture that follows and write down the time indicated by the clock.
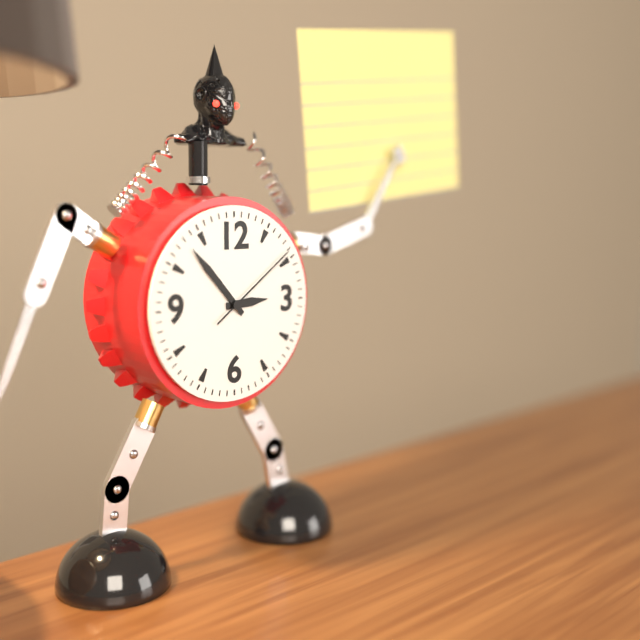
2:53:09
